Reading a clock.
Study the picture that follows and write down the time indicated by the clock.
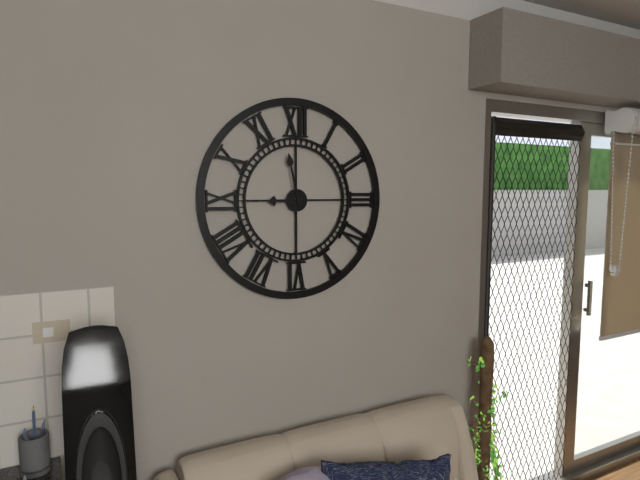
8:58
